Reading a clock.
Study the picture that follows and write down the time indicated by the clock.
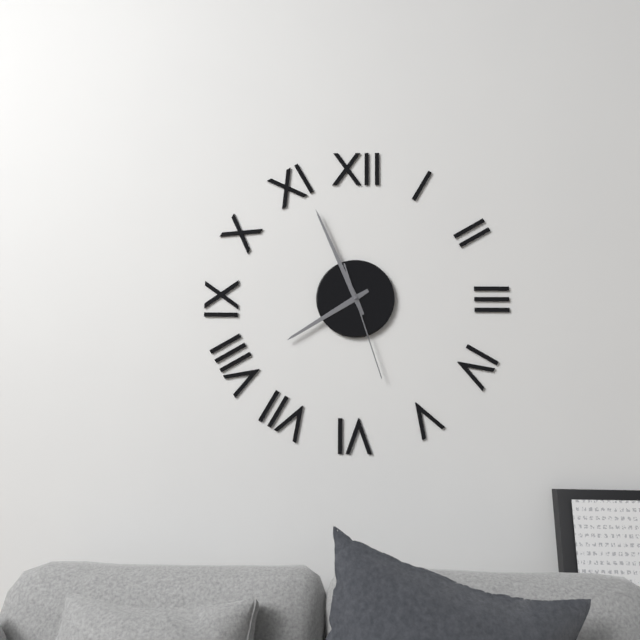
7:56:27
